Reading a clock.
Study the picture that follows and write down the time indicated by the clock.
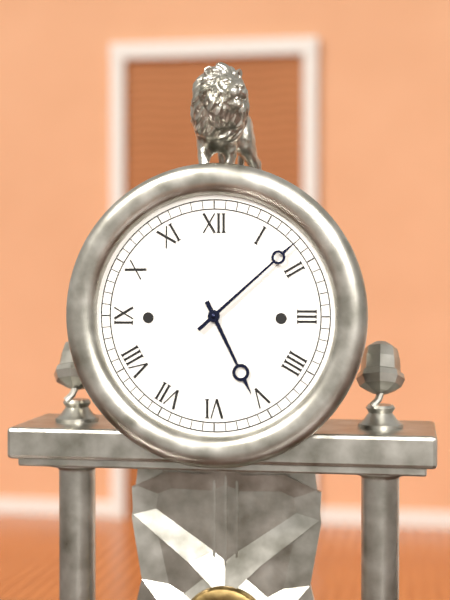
5:08
